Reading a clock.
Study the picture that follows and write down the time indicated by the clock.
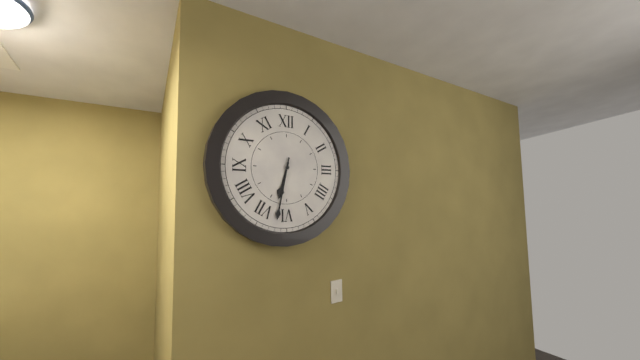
6:32
